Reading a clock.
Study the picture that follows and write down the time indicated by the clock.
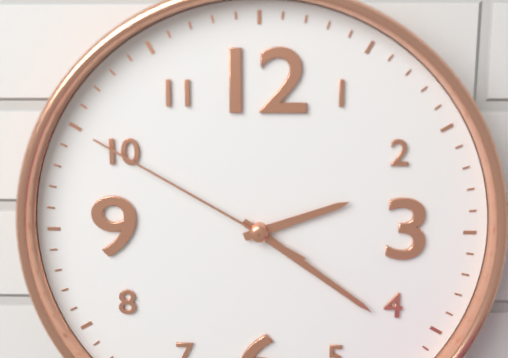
2:21:50
